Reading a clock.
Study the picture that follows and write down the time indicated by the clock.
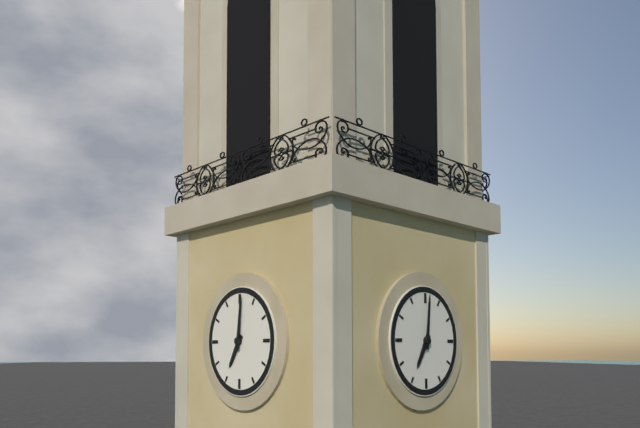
7:01
